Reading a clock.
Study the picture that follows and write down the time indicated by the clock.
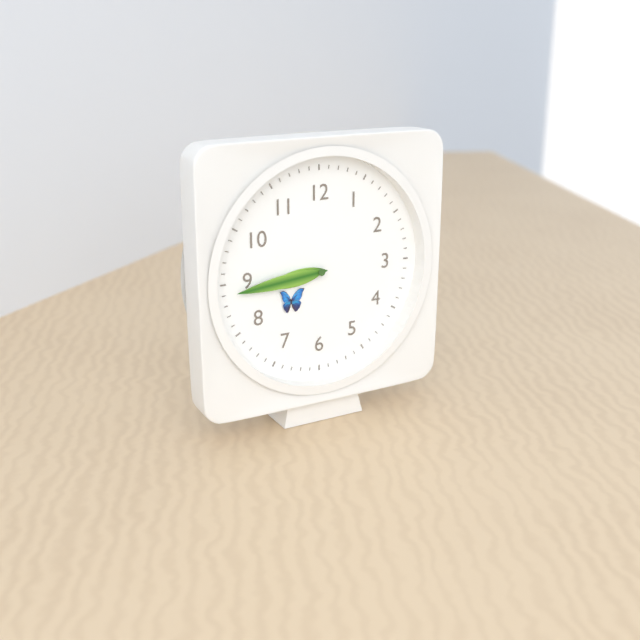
8:44
